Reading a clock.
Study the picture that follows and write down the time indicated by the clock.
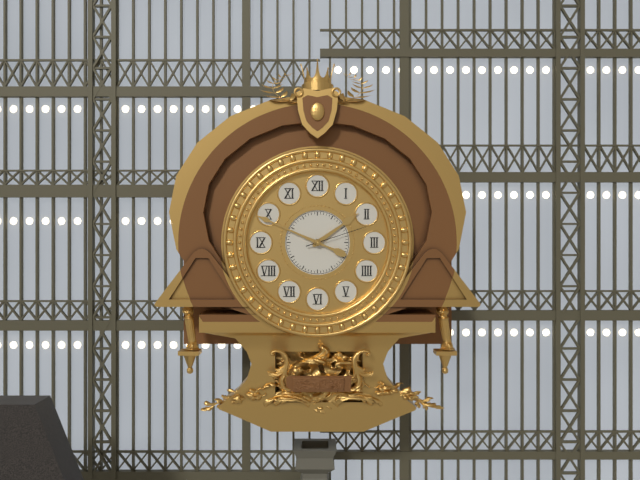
1:49:12
